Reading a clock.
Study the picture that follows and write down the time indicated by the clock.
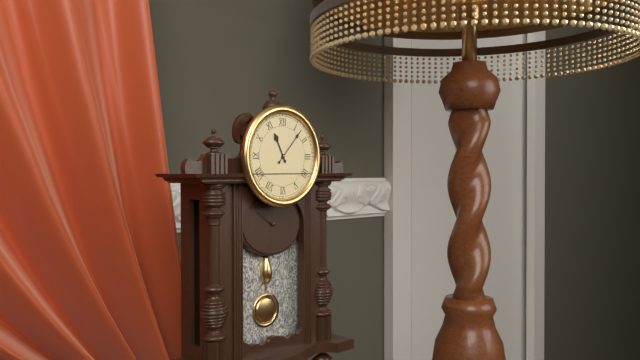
11:07
